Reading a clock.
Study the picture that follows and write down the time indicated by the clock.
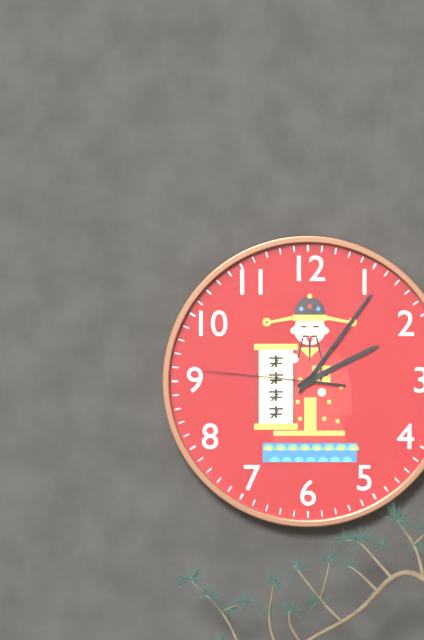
2:06:46
